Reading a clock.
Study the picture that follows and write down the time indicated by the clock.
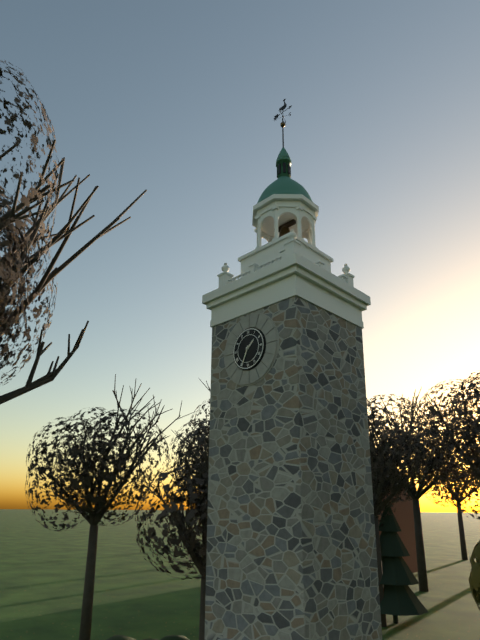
1:34
